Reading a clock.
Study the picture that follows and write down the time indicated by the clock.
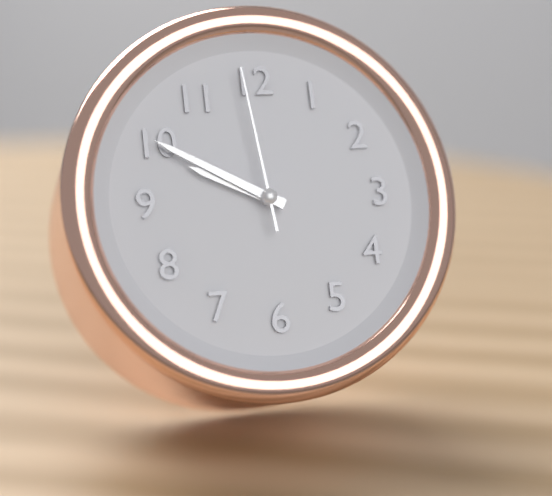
9:50:59
